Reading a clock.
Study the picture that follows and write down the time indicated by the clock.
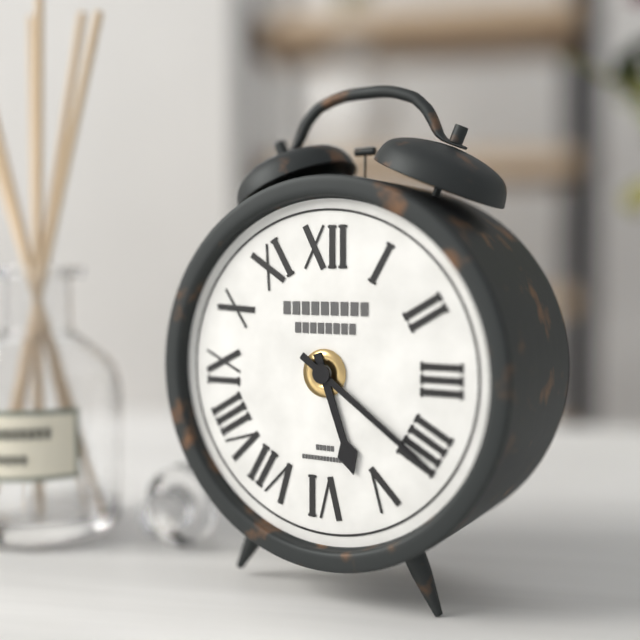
5:21
